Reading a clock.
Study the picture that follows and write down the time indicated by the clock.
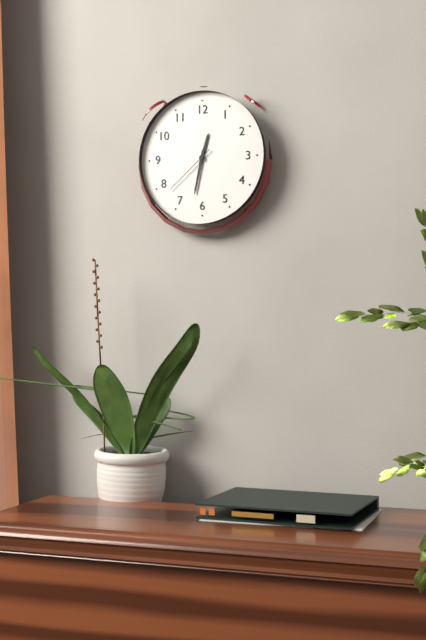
12:32:38
